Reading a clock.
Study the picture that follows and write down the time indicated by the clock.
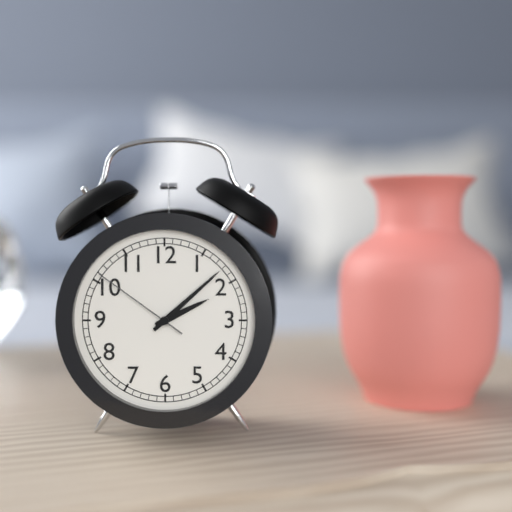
2:08:51
